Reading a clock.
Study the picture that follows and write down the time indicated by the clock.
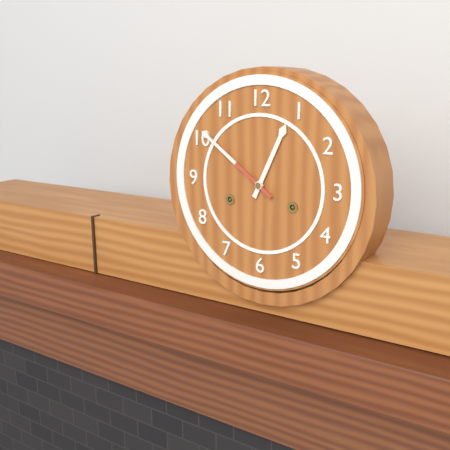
12:51
